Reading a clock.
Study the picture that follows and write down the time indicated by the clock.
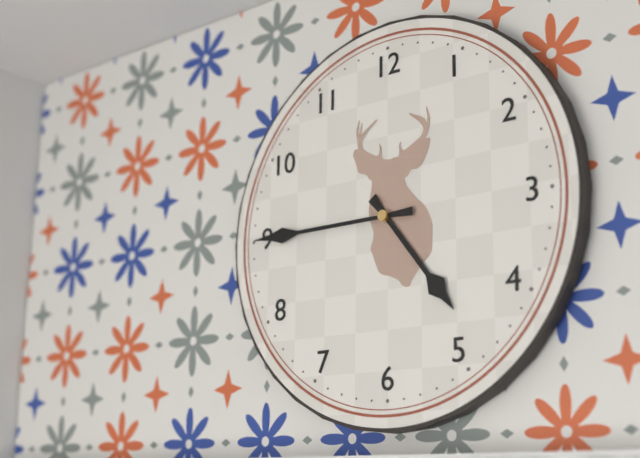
4:45
